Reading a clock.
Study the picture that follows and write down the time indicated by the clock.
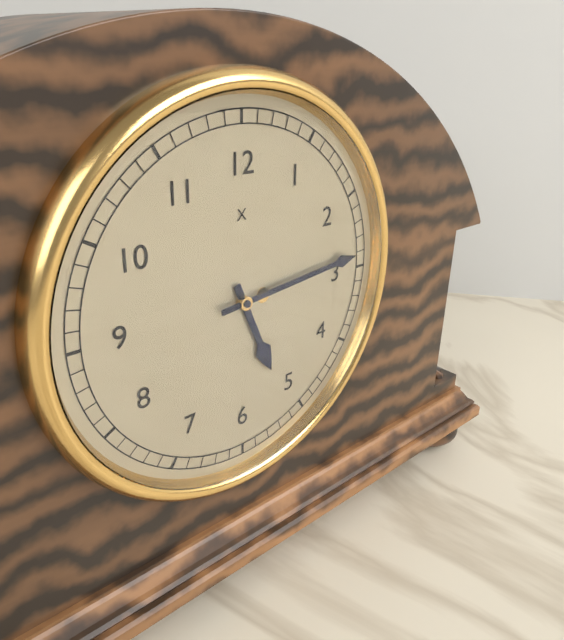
5:14
